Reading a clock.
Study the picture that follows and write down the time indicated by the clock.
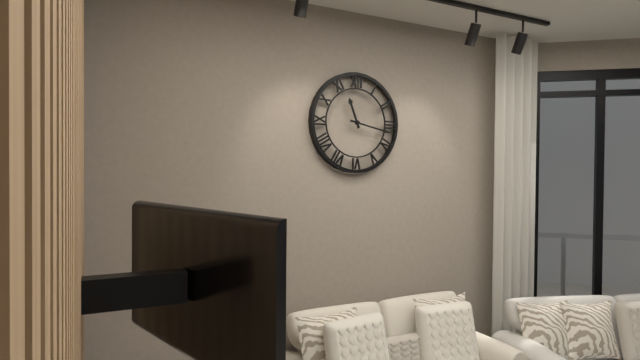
11:17
